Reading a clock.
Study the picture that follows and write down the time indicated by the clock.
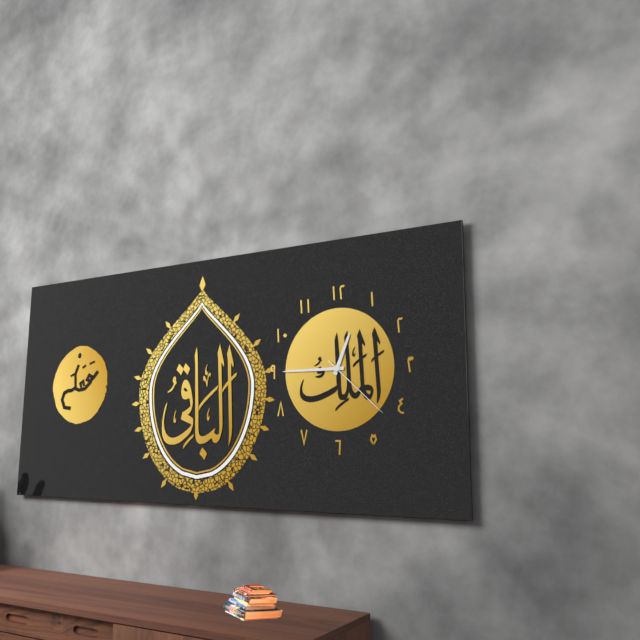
12:45:22
